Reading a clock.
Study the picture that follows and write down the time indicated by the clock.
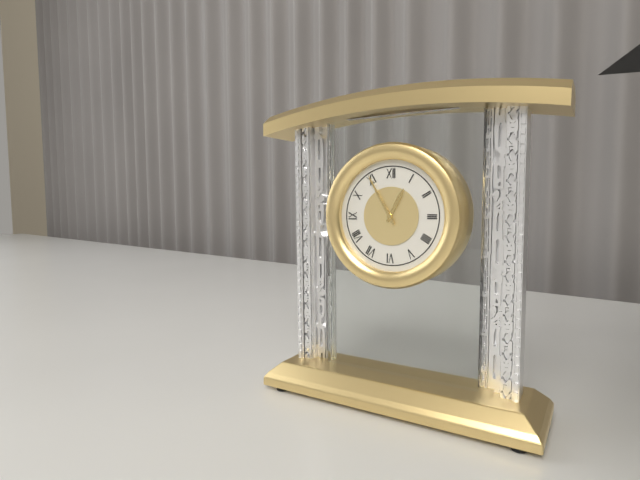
12:55
